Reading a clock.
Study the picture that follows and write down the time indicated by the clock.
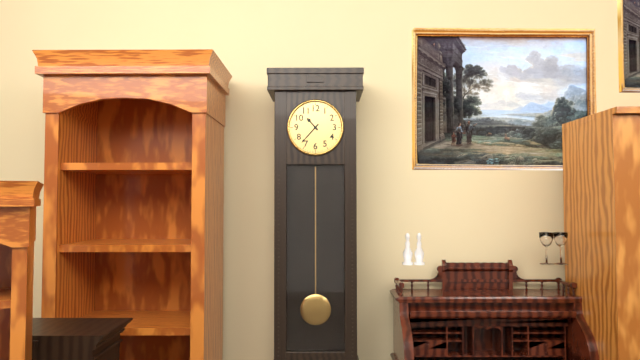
10:37
